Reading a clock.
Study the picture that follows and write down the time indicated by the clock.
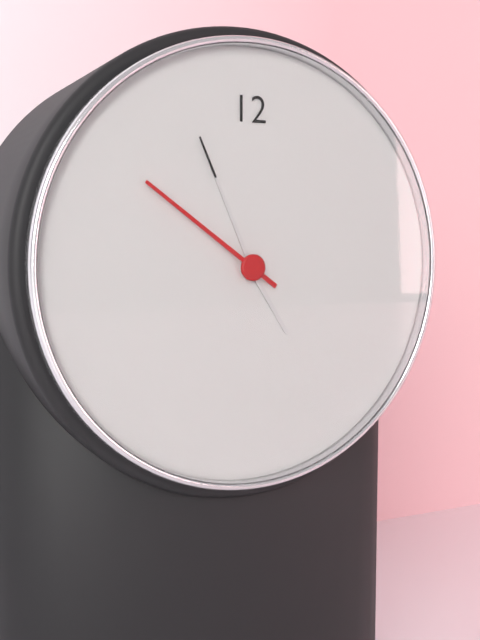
4:56:51
